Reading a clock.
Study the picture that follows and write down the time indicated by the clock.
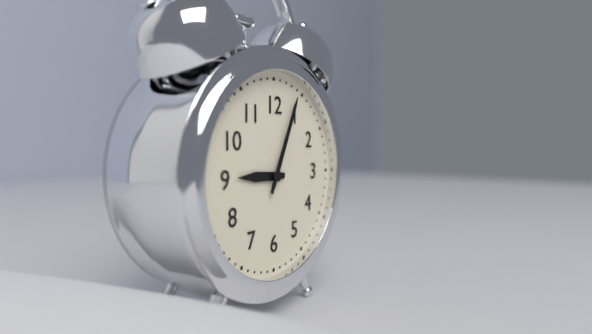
9:04
